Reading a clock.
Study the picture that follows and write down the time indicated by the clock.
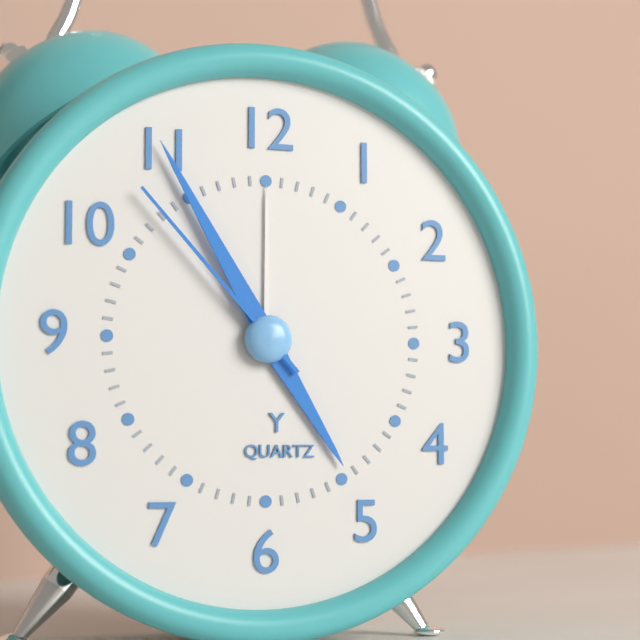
4:55:53
